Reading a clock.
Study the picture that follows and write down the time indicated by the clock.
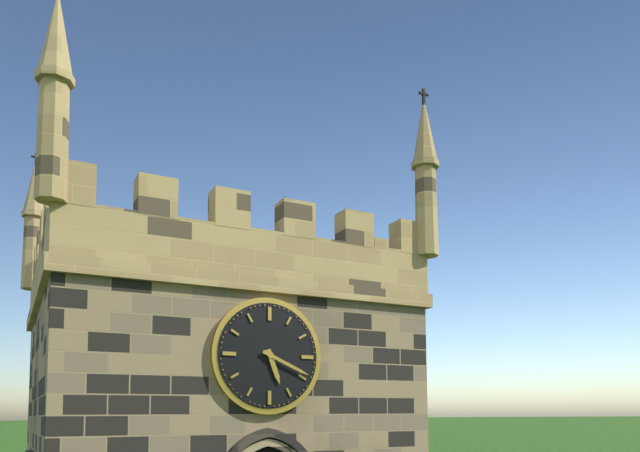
5:19
